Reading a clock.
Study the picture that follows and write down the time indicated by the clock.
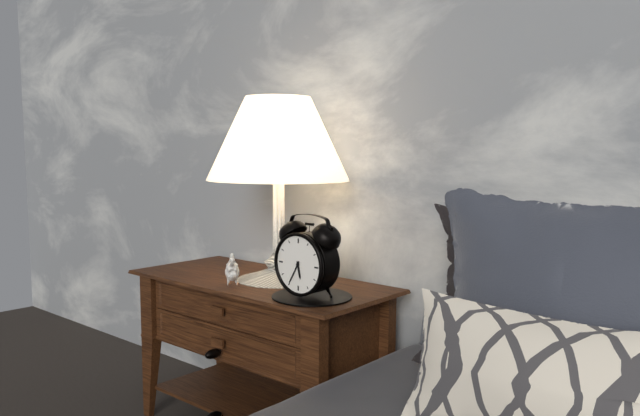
5:35
